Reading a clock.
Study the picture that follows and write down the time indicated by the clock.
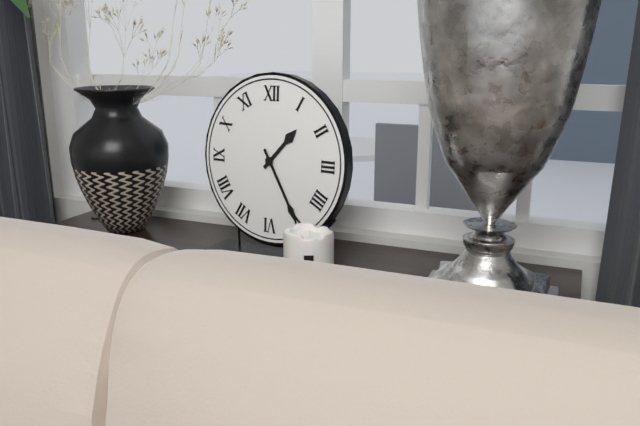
1:25
